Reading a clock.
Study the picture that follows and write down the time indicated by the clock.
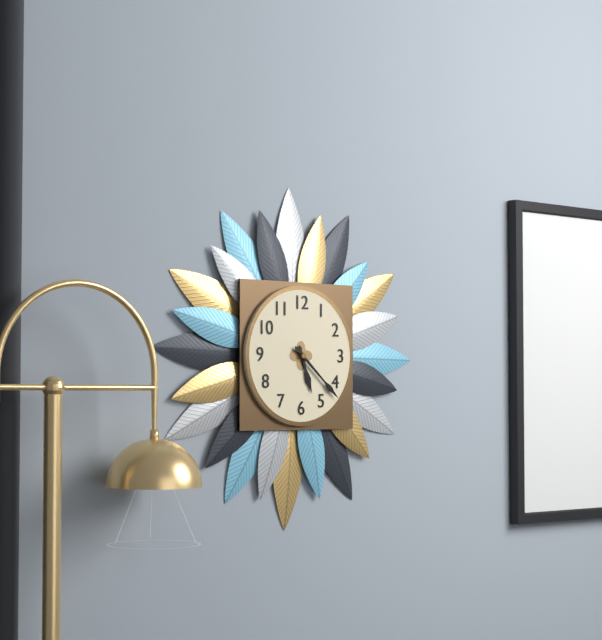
5:22
